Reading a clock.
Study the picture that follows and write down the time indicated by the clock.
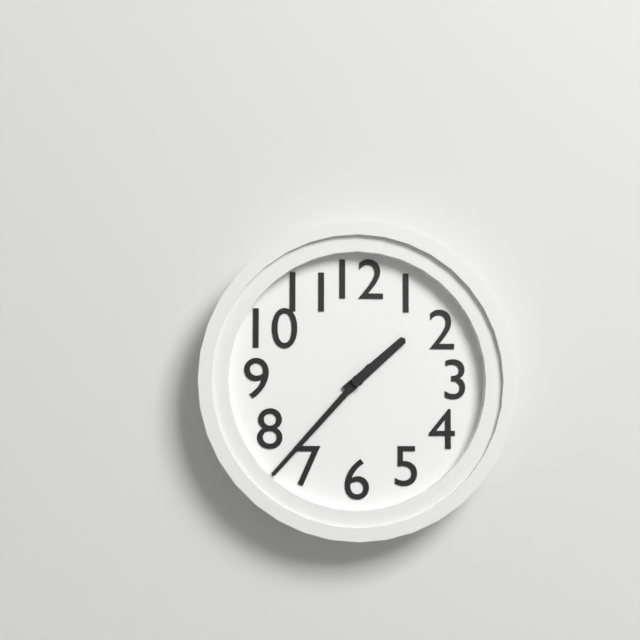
1:37
